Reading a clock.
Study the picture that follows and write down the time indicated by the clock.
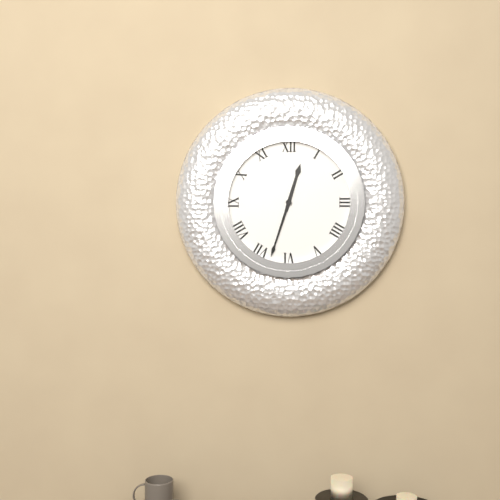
12:33
